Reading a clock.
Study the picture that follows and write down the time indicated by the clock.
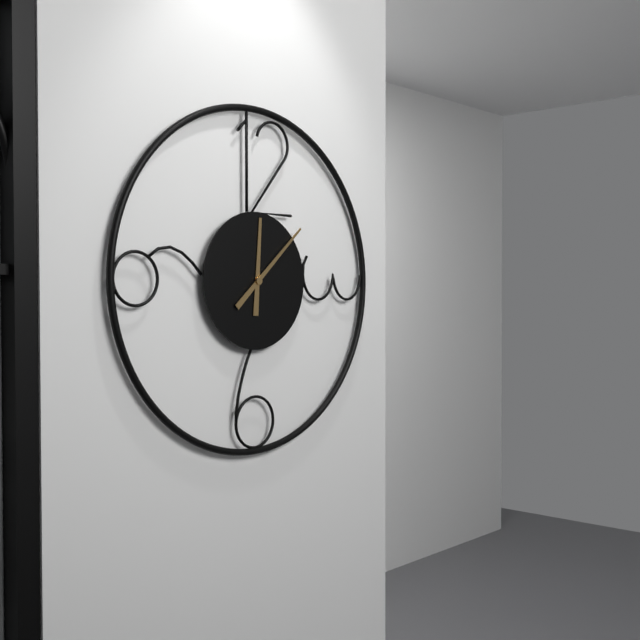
12:08
